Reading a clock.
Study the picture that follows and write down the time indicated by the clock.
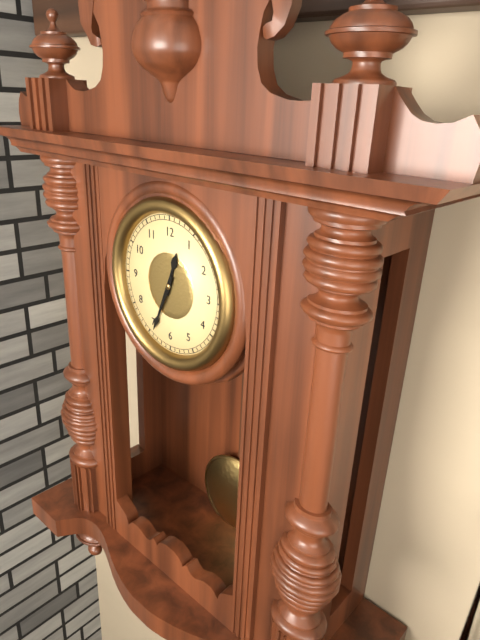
12:34
